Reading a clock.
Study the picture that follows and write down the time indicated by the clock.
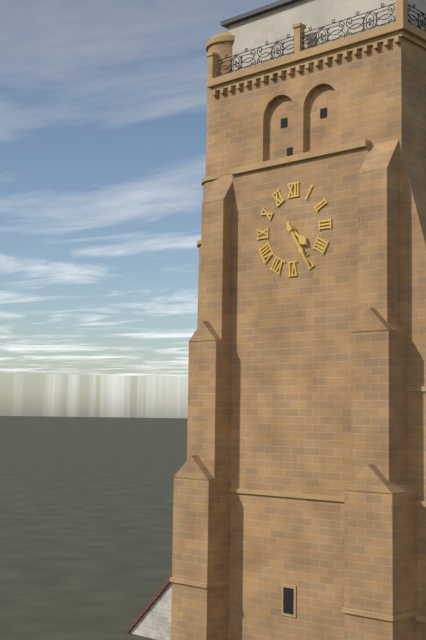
4:25
